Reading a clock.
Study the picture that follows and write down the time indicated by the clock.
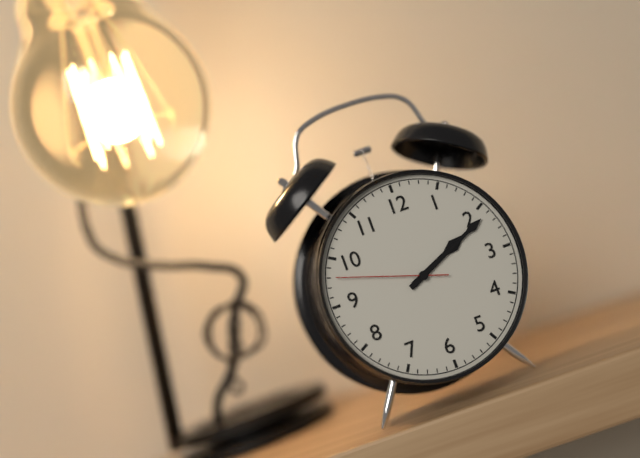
2:11:48
